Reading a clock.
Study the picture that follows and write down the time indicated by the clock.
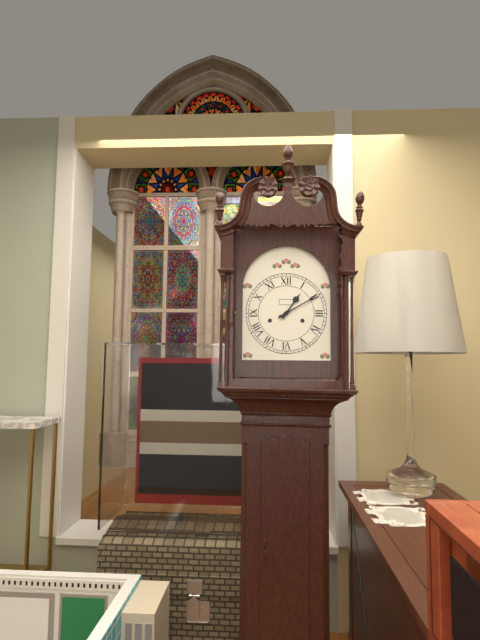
1:10
